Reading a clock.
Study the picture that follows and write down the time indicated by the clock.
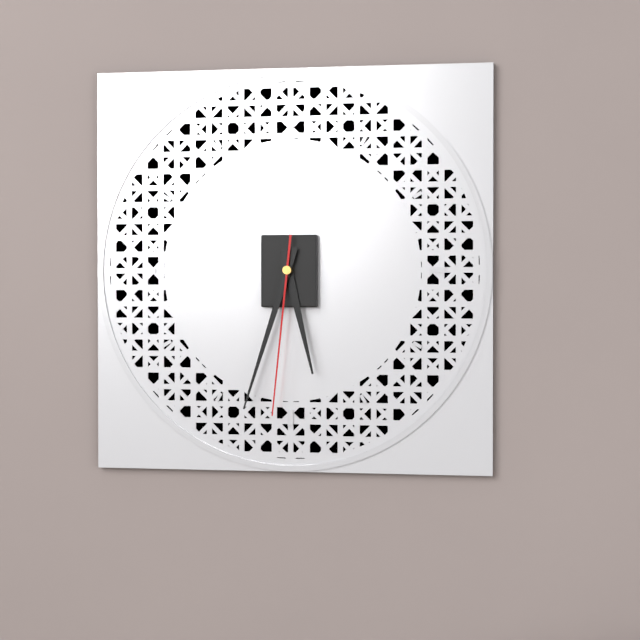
5:33:31
